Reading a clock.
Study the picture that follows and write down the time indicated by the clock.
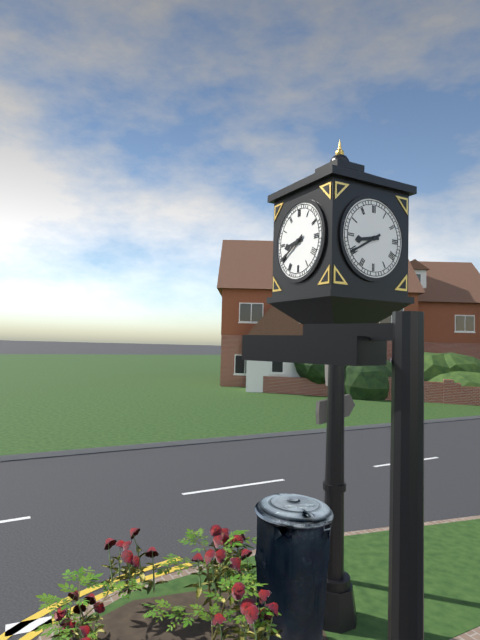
8:40
